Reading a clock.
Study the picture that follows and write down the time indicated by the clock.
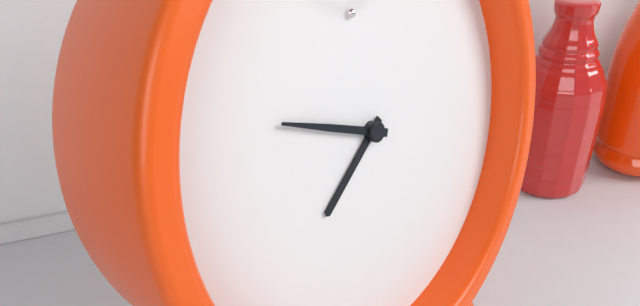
7:49
